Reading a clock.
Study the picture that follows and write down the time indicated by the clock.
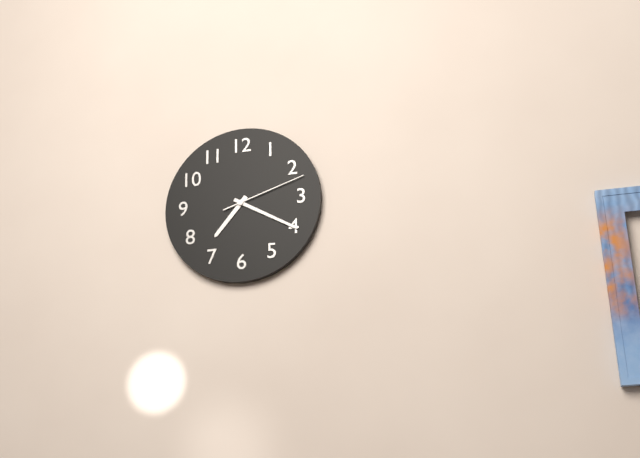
7:20:12
